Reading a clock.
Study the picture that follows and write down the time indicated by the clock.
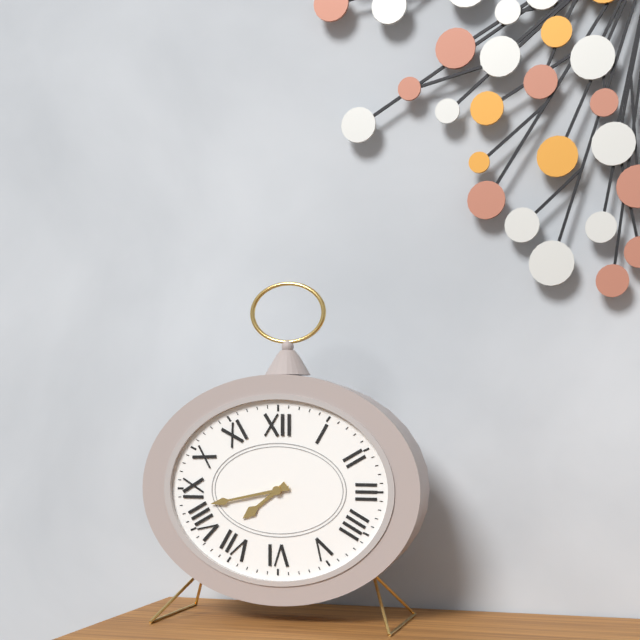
7:43
